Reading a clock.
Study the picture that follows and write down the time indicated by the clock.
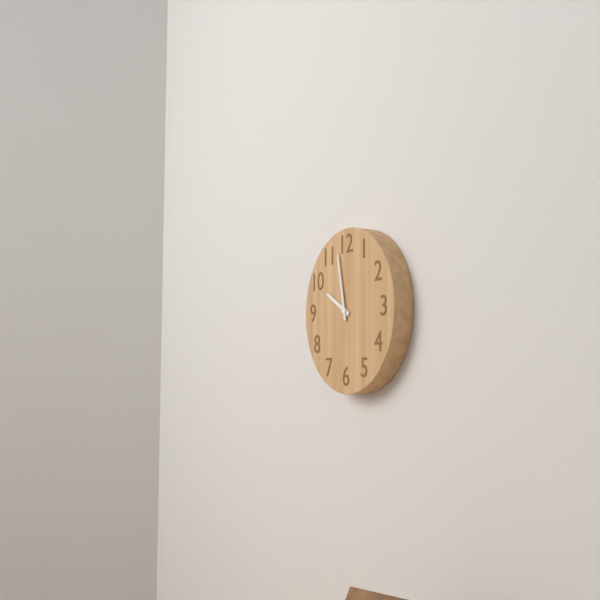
9:58
